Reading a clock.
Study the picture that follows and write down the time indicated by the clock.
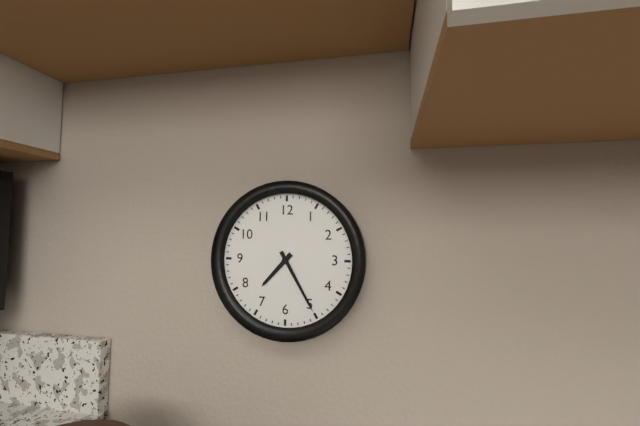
7:25
